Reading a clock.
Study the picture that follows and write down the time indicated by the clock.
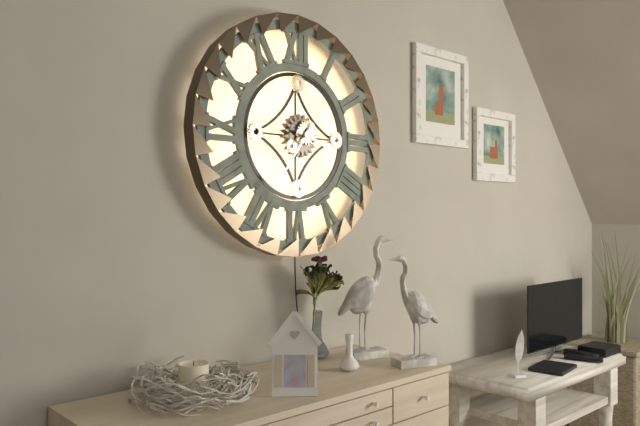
3:36
